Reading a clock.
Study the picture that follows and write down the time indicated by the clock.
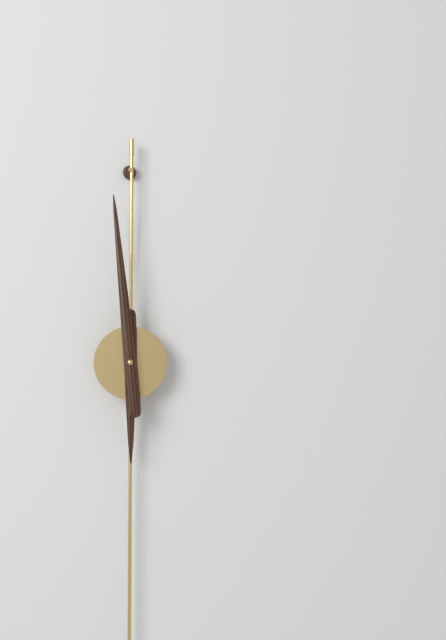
5:59
